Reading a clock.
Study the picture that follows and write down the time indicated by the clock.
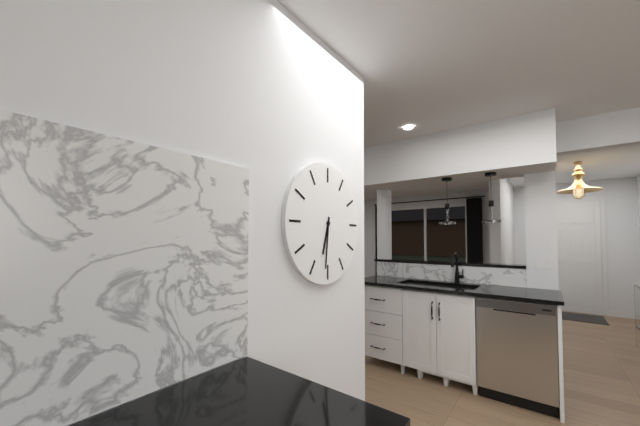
6:31
